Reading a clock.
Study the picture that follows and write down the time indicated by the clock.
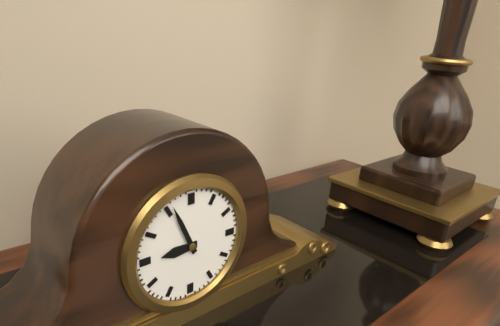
8:56
